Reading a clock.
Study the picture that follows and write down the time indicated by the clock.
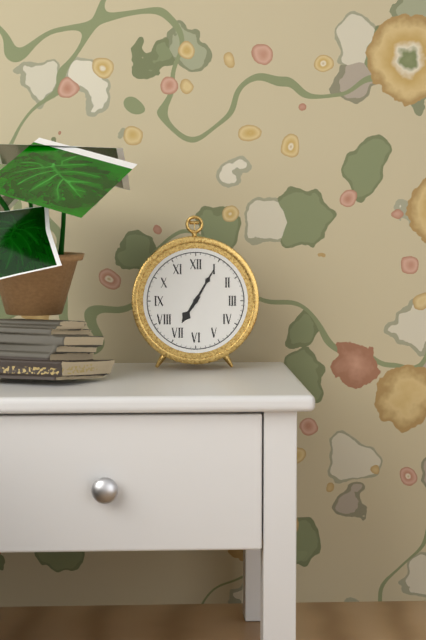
7:05
